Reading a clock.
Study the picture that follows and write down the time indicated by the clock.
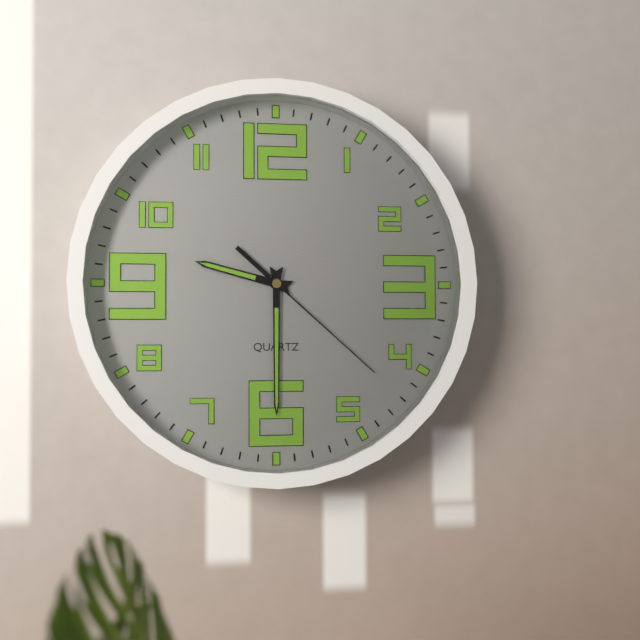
9:30:22
